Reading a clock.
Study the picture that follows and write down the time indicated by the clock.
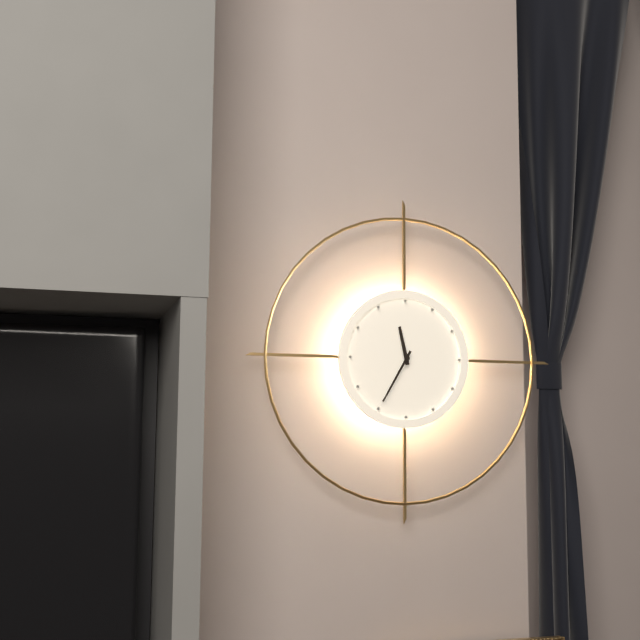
11:35
